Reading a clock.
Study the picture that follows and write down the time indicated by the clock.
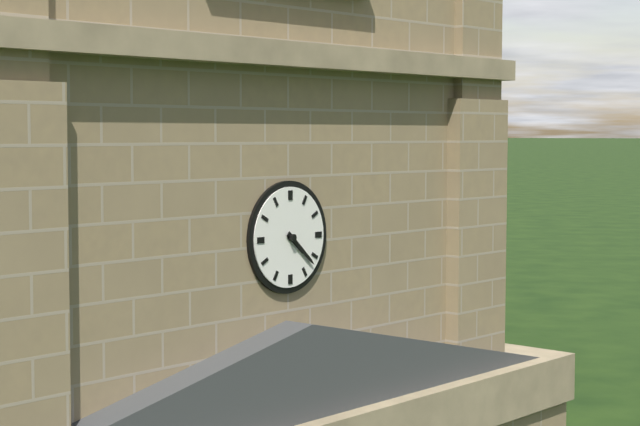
4:22
